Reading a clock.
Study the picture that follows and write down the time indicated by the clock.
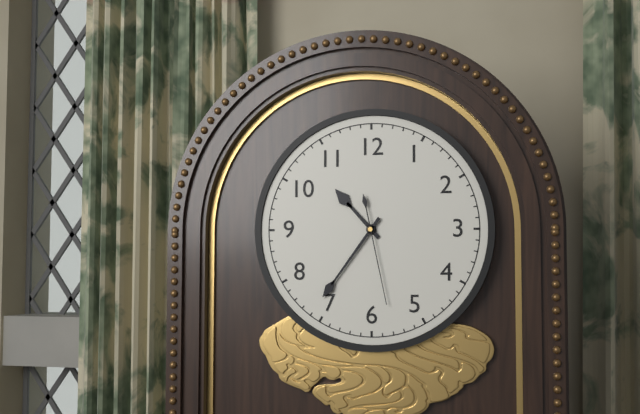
10:36:28
